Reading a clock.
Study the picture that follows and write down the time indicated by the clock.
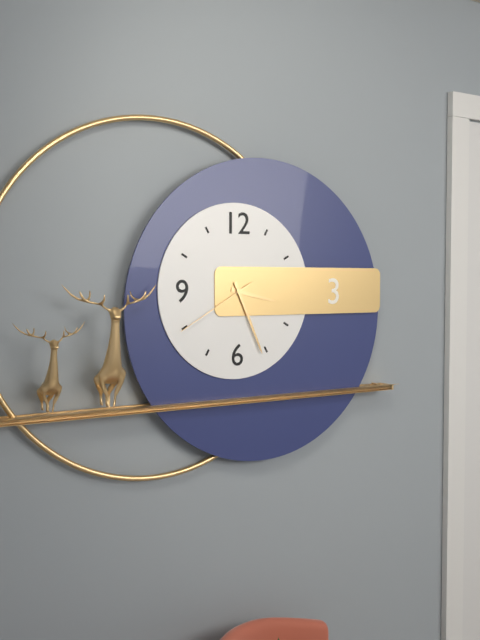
3:26:40
